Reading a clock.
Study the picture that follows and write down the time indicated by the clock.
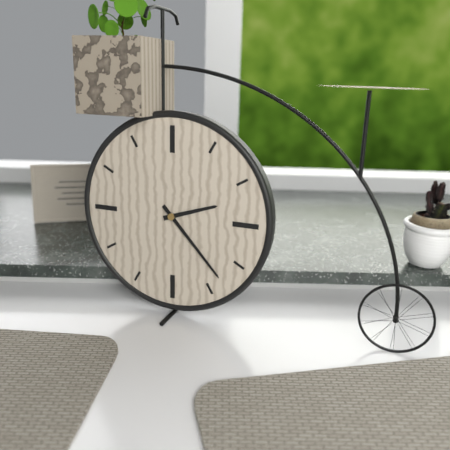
2:23
